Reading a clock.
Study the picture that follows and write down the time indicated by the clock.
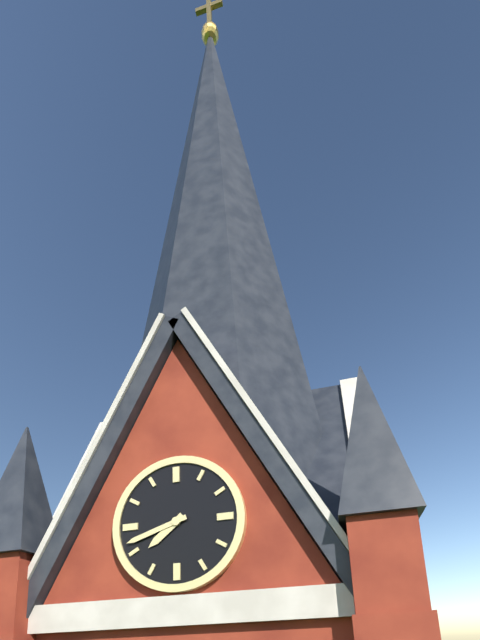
7:42
